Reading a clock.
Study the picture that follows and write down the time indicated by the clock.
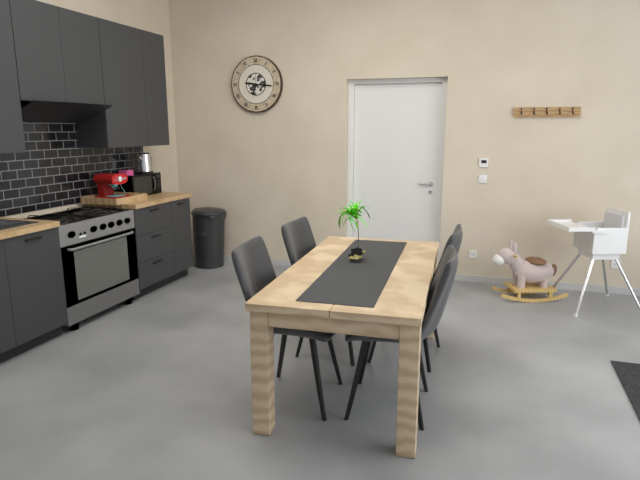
9:16
